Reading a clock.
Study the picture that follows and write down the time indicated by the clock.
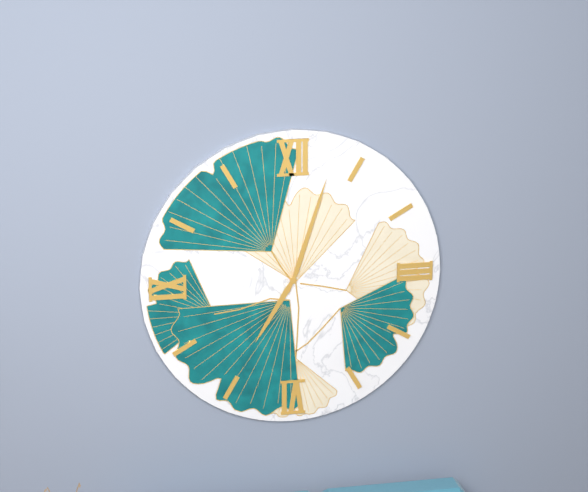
7:03
